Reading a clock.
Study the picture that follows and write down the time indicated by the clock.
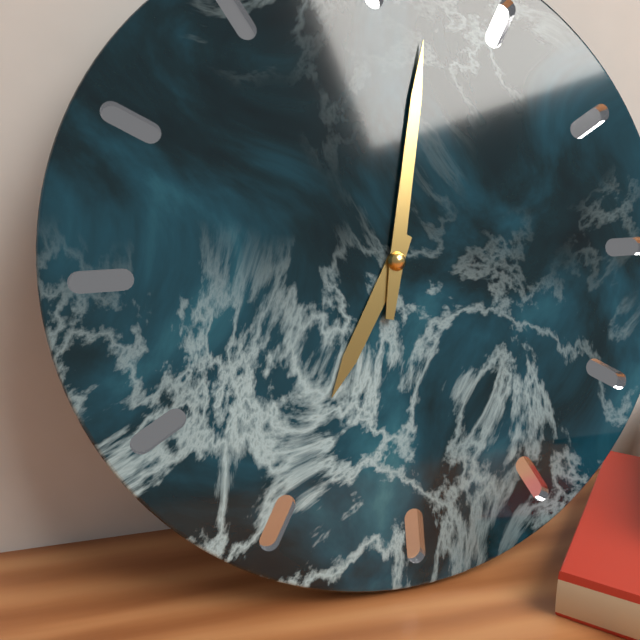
7:02
